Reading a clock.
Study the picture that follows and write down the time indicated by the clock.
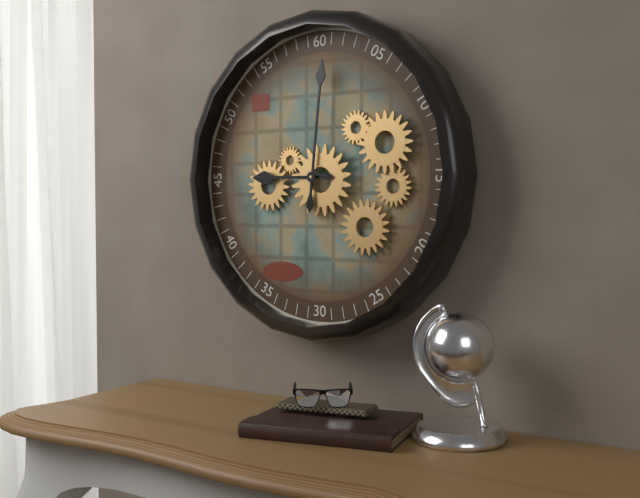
9:01
